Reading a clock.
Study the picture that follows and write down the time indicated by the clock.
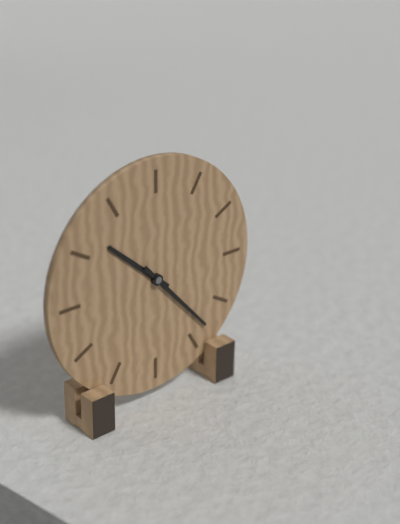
10:23
